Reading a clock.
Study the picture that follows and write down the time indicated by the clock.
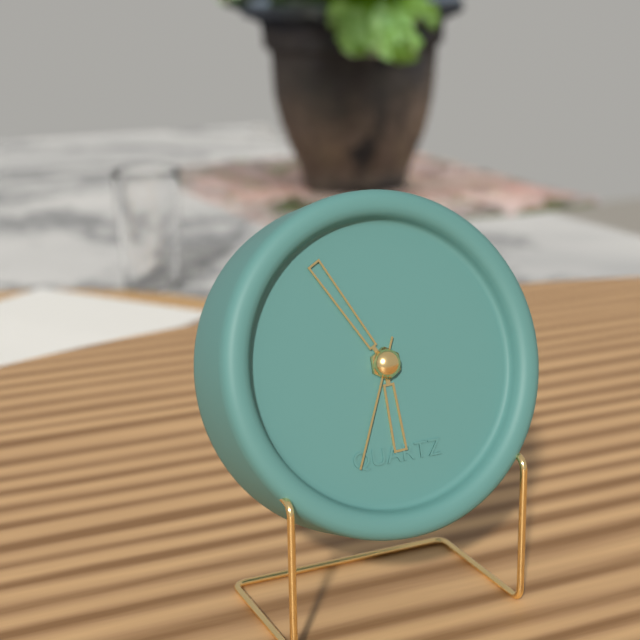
5:55:34
